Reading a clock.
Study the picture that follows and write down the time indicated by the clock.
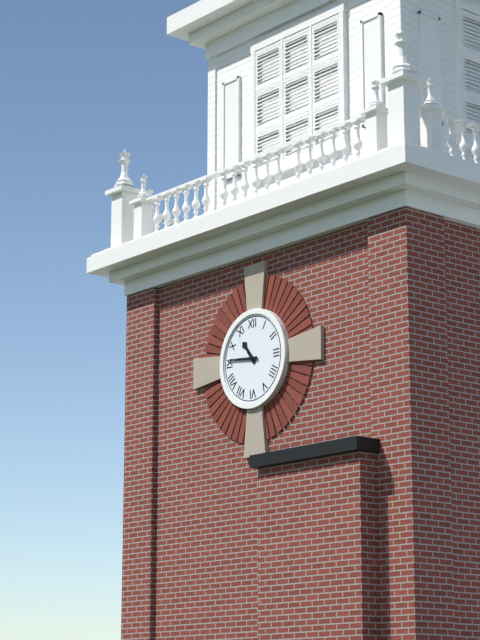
10:46
